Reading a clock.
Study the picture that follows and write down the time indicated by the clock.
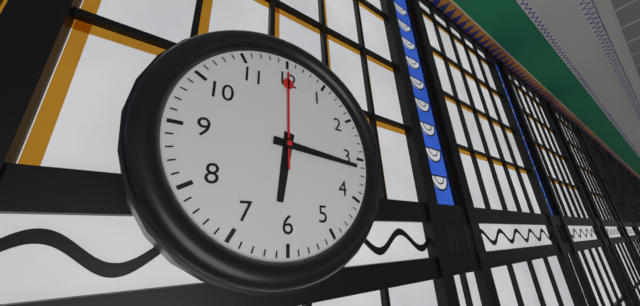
6:16:00
